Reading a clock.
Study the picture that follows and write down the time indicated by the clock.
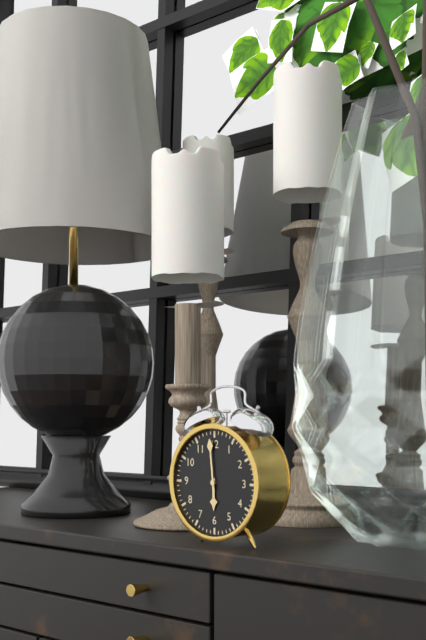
5:59
